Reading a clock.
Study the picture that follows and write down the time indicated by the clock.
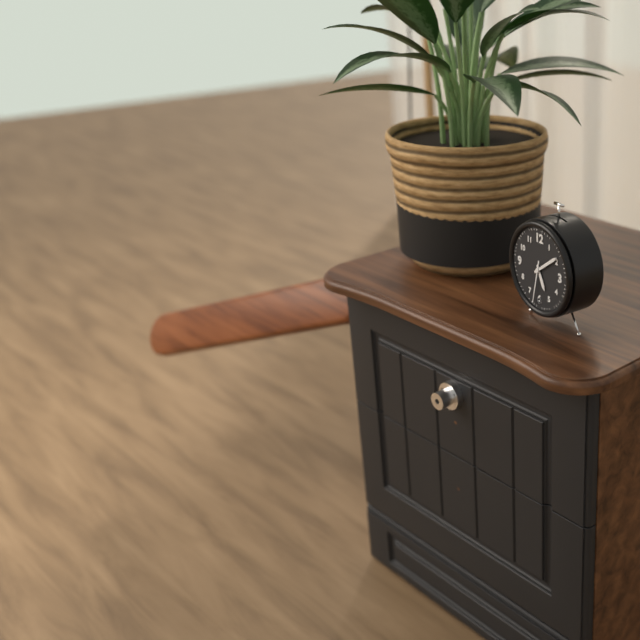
5:09
